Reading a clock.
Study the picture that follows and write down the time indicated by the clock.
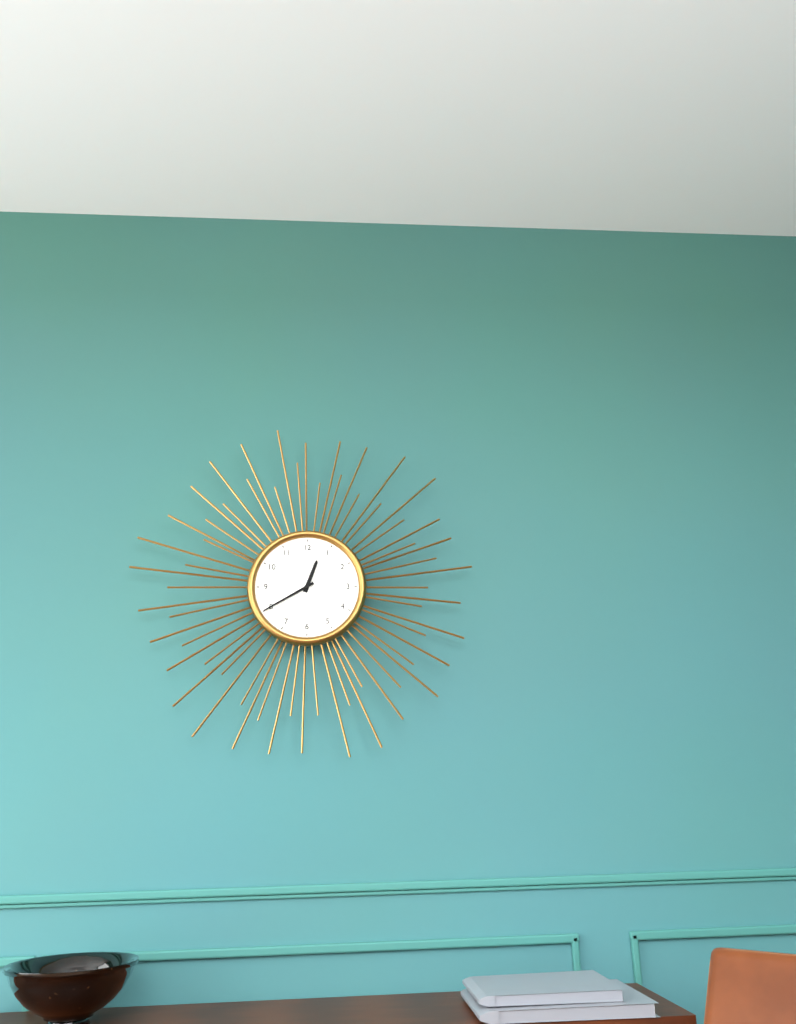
12:40
